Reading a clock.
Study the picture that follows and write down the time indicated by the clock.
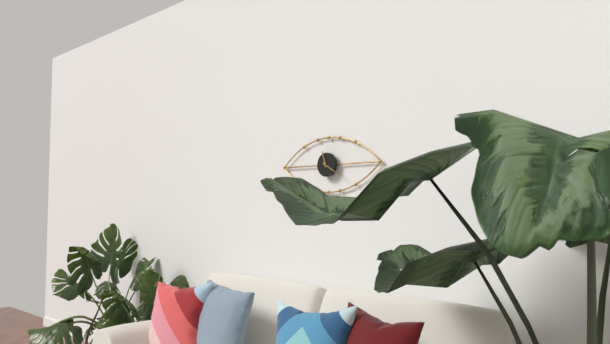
11:20
